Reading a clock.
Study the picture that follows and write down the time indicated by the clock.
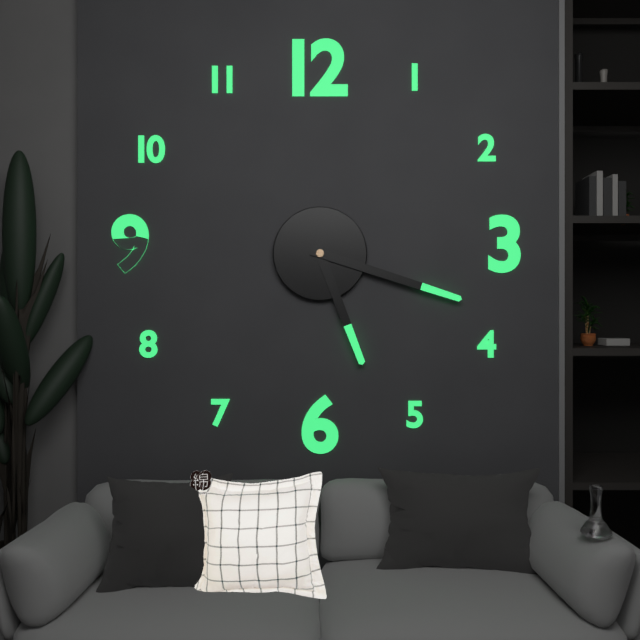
5:18
